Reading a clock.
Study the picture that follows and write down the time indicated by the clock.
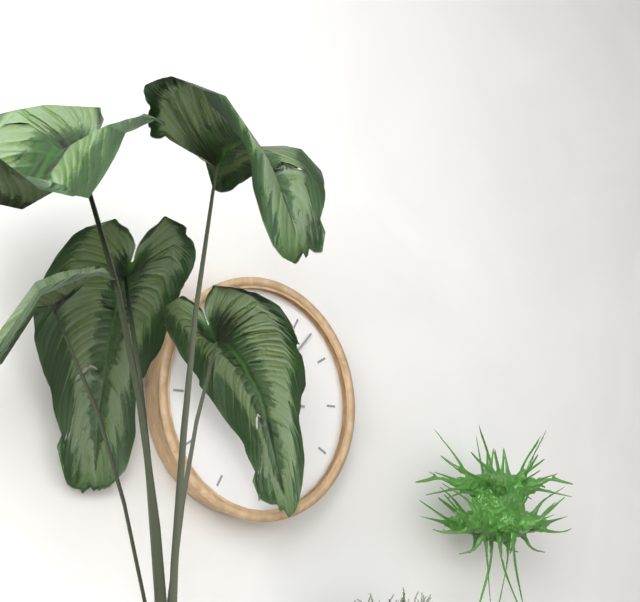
3:07
